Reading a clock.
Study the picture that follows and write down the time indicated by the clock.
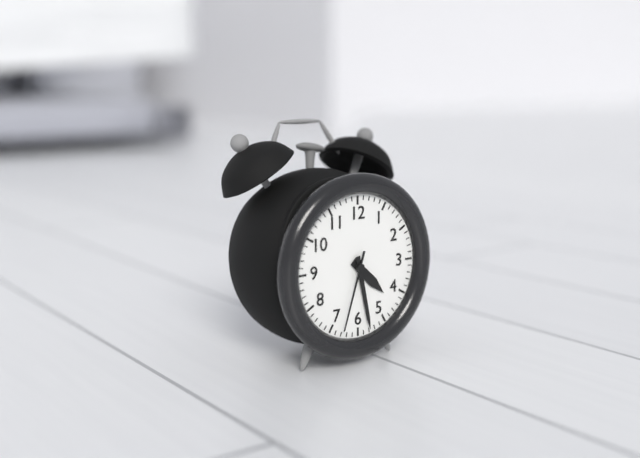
4:28:33
